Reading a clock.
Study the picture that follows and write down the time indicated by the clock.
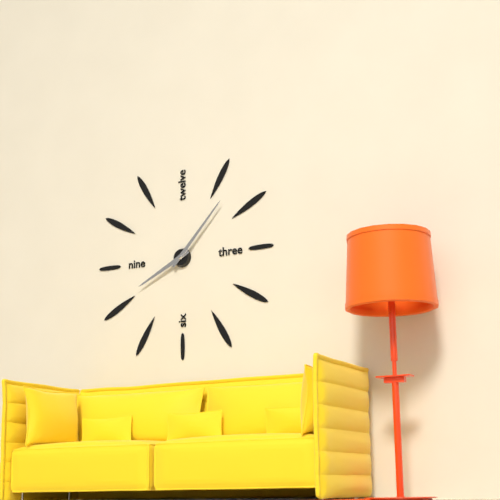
8:07
